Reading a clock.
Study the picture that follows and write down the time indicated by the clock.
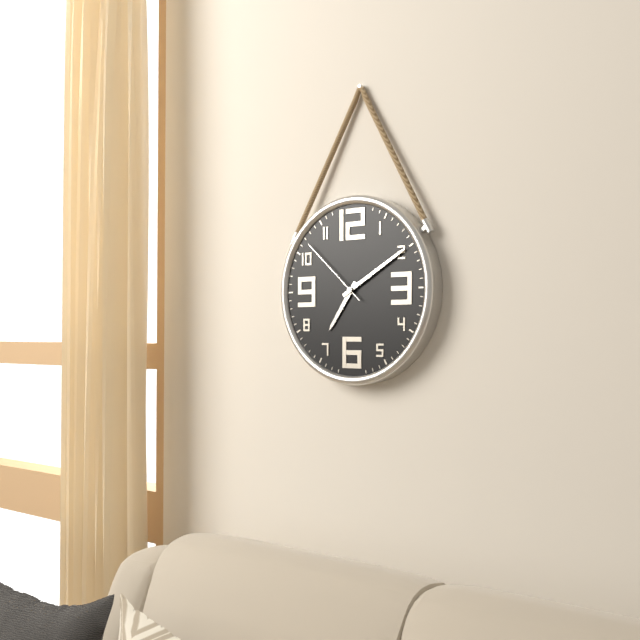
7:10:52
